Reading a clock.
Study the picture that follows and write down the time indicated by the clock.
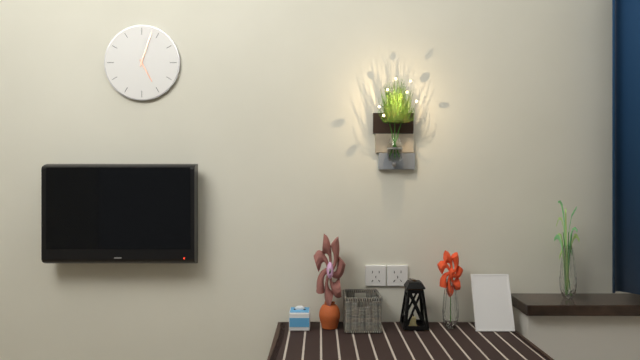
5:03
